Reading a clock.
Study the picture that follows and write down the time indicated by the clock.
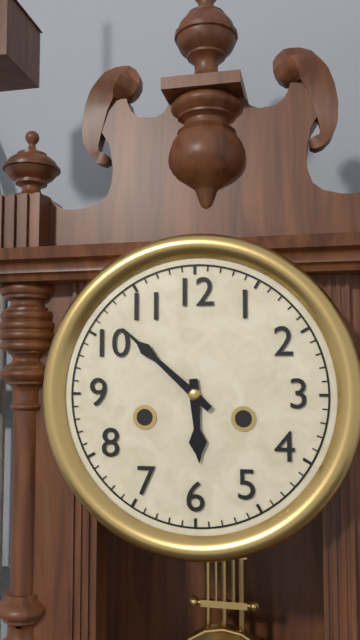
5:52
